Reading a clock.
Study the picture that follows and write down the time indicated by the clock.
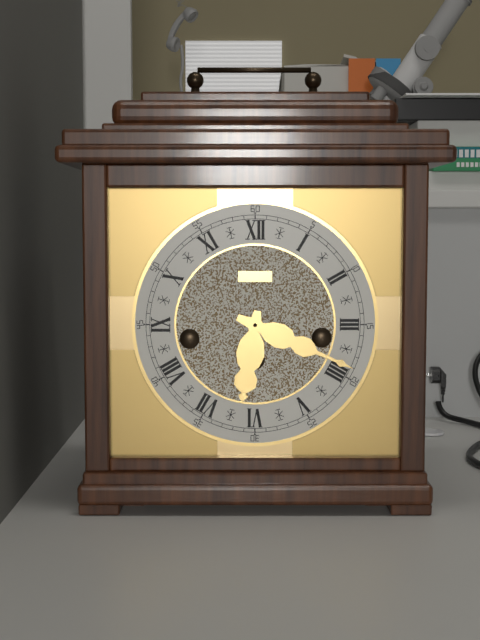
6:19
